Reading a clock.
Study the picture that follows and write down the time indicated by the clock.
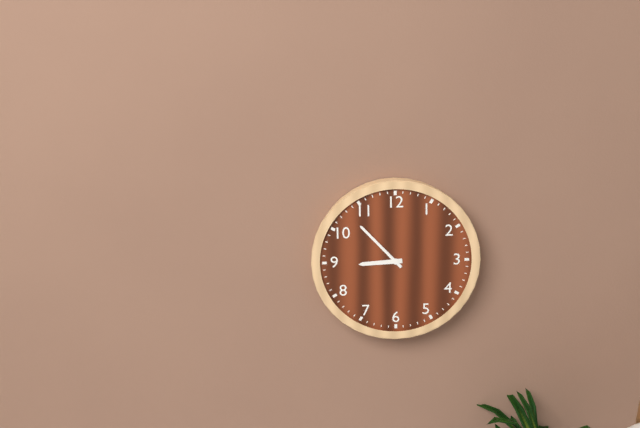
8:53
